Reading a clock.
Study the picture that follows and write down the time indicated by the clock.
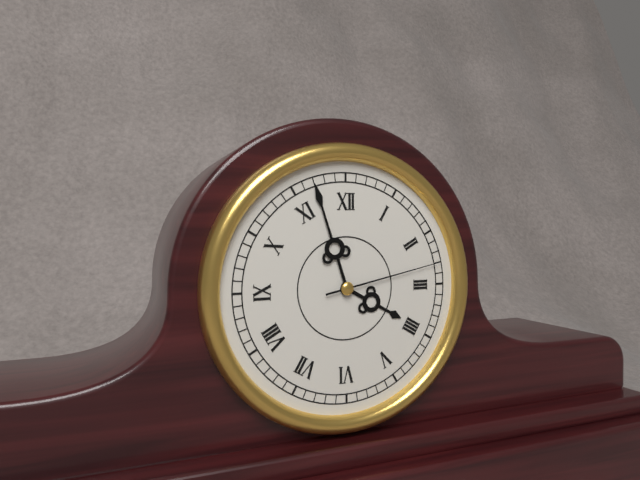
3:57:13
